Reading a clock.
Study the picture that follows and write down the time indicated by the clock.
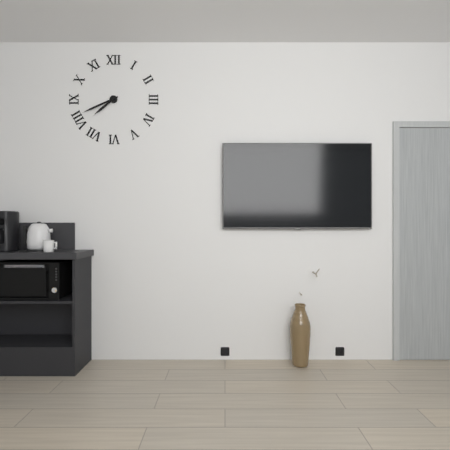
7:41
